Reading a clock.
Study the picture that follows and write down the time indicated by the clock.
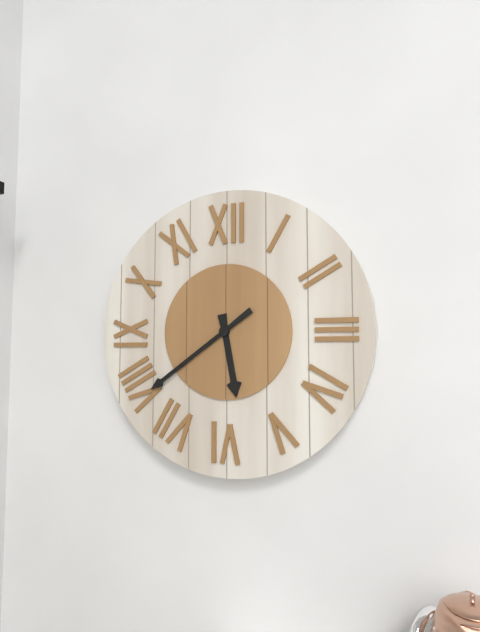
5:39
